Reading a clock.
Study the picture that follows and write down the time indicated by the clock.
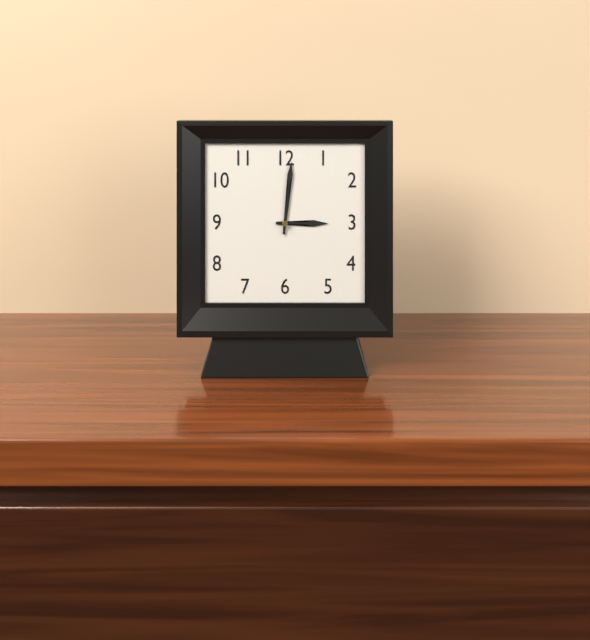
3:01
